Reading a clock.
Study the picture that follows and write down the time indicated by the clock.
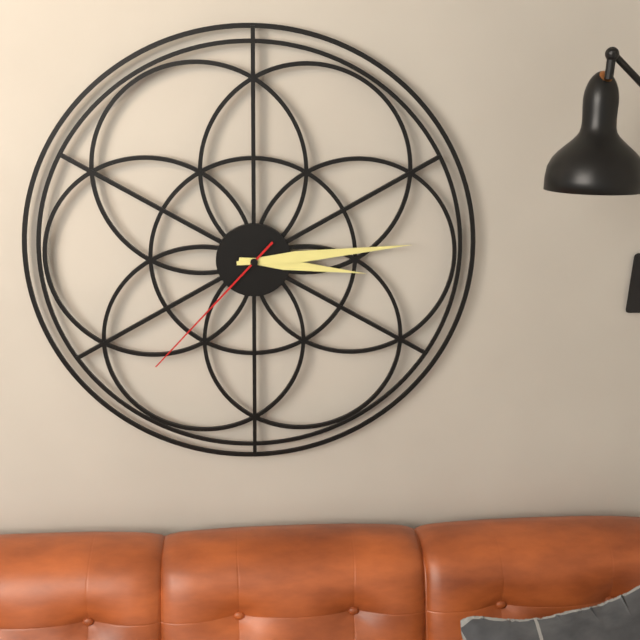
3:14:37
